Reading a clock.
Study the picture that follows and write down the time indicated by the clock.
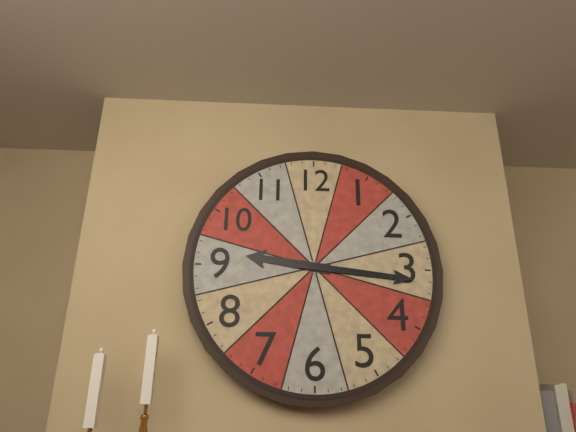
9:16
